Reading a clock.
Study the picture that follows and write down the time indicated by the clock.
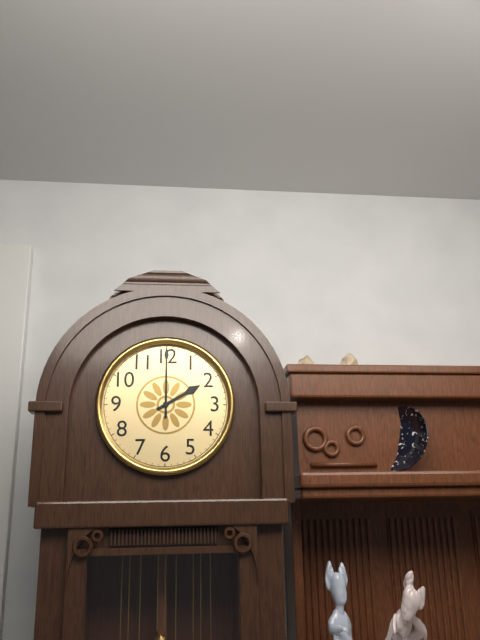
2:00
